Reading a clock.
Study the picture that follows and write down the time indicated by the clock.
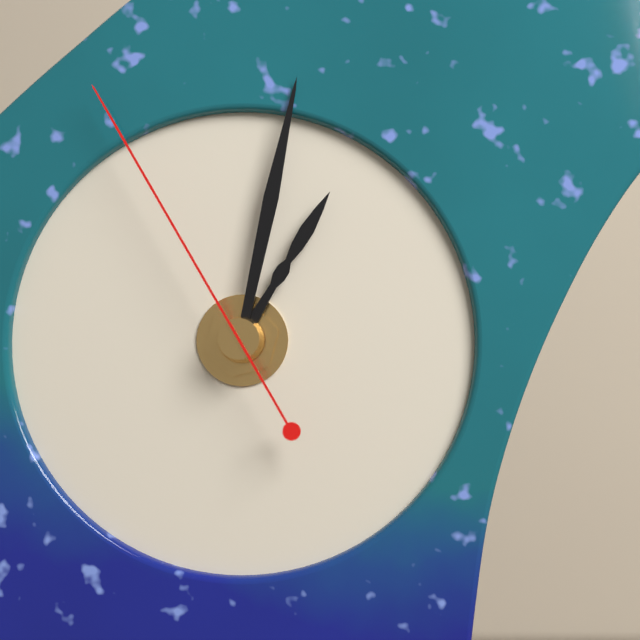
1:02:55
